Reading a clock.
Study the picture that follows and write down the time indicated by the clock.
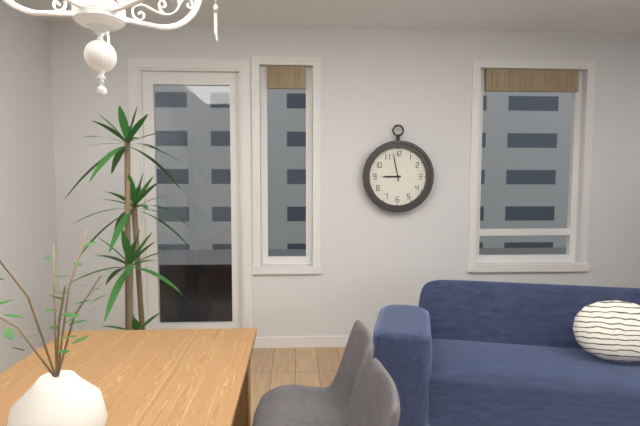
8:58
